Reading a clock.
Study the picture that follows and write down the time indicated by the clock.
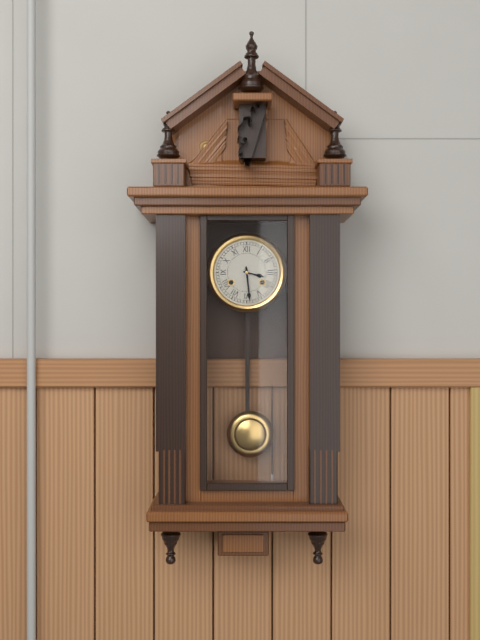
3:29
